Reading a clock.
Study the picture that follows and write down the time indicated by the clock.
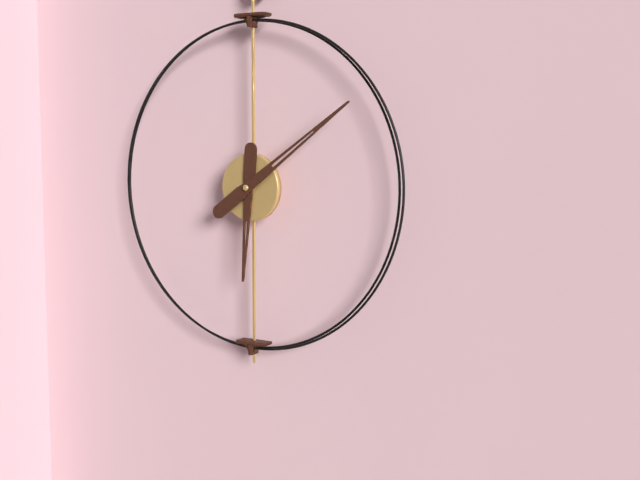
6:09
